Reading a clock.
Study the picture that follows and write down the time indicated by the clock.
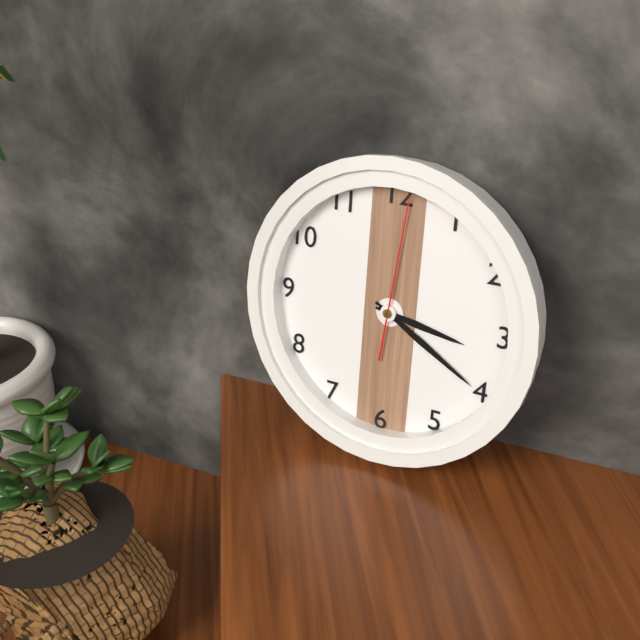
3:20:01
